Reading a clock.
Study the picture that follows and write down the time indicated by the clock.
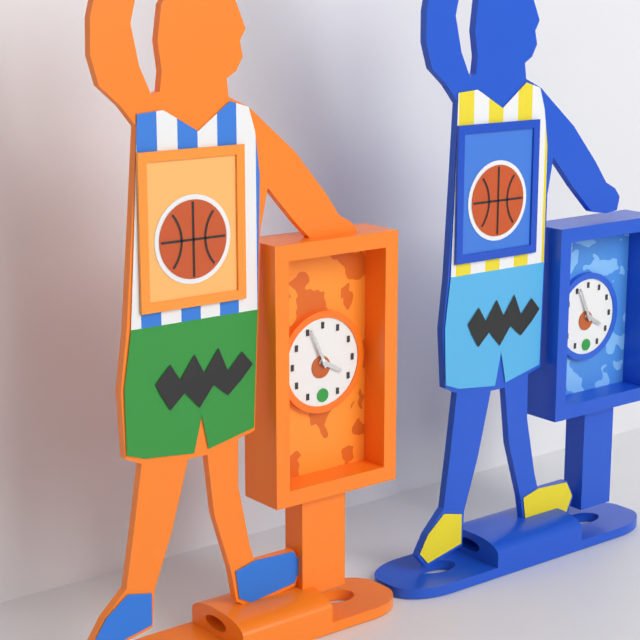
3:56
